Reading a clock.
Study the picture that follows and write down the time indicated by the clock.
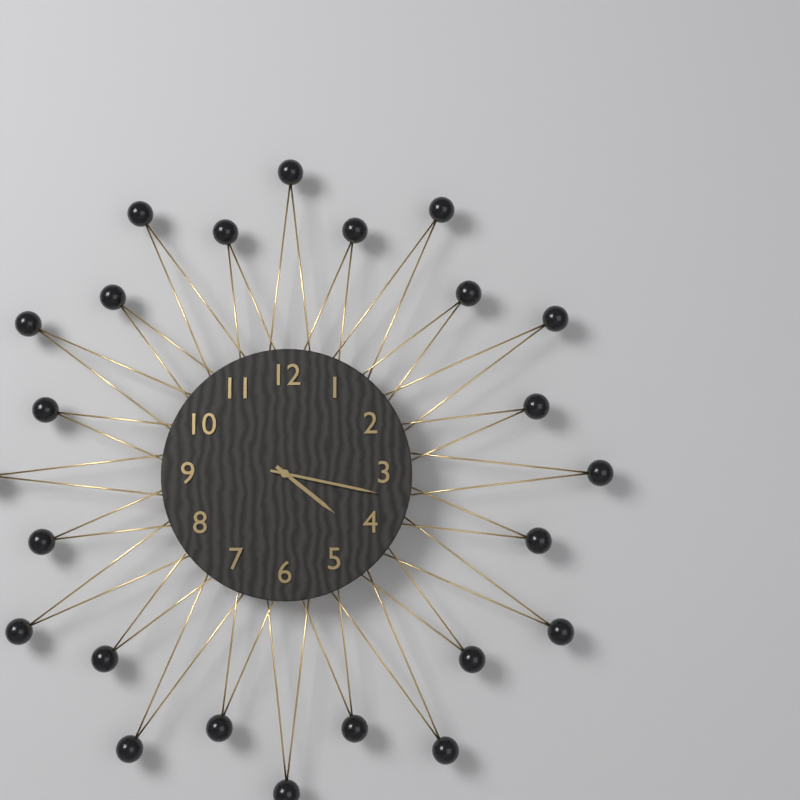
4:17
